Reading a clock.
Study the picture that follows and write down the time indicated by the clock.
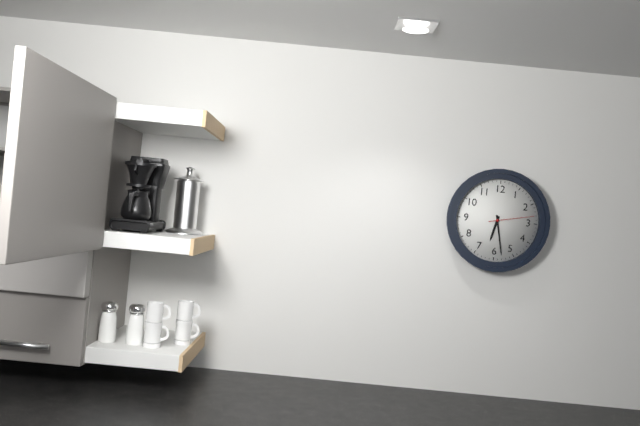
6:28
